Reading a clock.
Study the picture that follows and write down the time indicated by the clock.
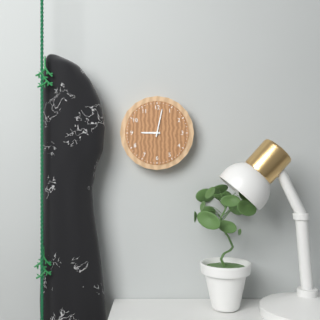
9:02
